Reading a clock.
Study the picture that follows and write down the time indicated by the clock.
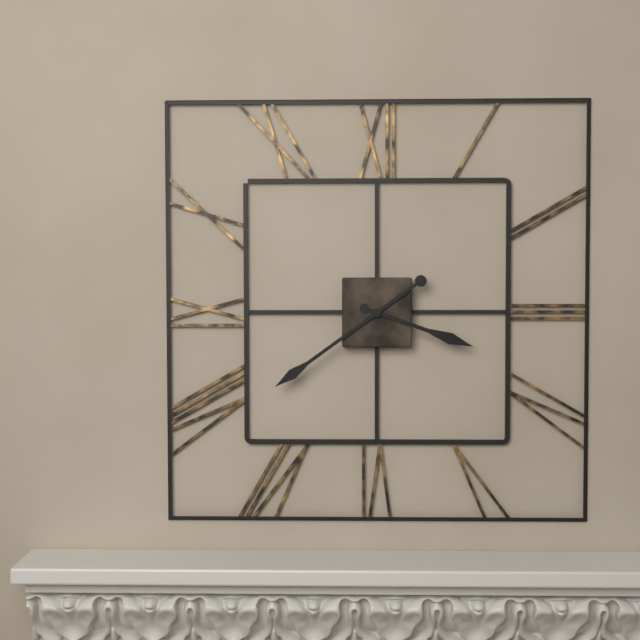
3:39
